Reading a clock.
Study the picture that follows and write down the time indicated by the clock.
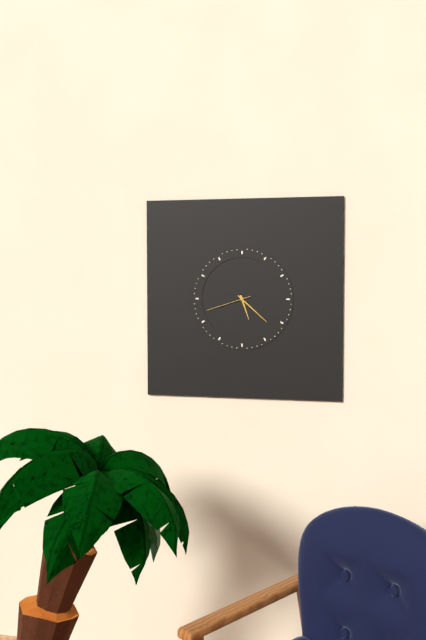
5:22
